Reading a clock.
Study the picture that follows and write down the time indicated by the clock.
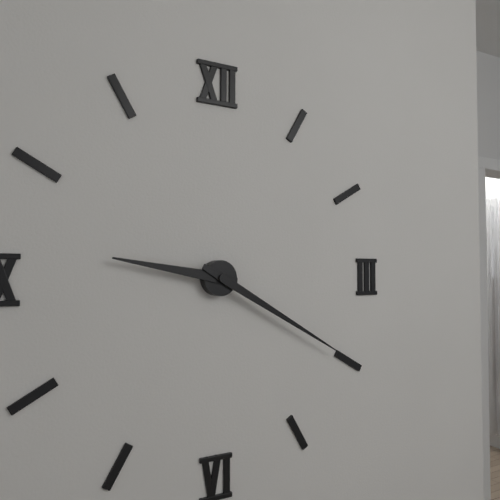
9:20
